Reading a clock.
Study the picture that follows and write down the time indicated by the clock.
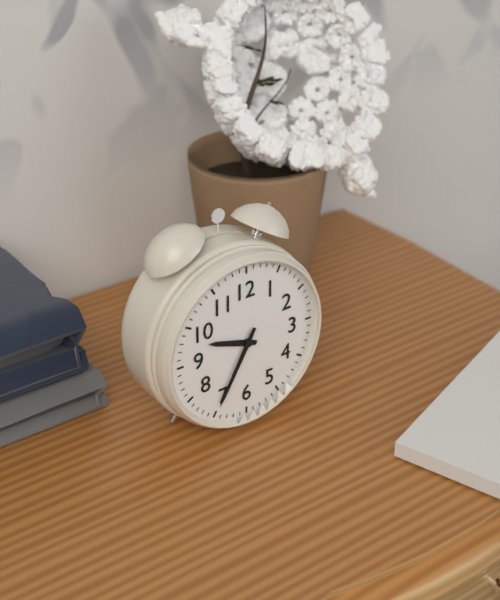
9:35
